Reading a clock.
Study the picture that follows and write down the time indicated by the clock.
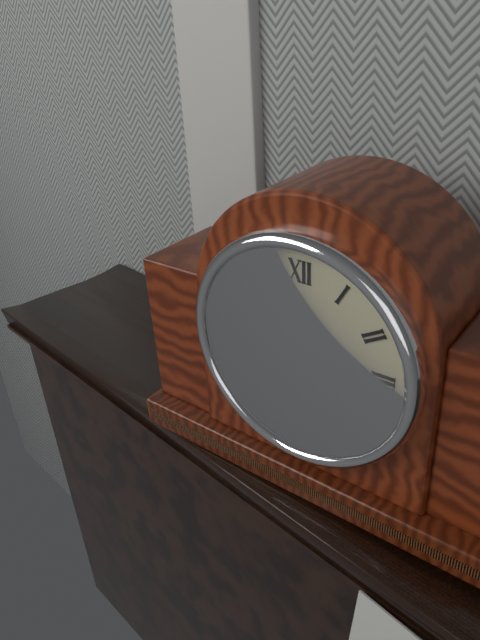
4:48
